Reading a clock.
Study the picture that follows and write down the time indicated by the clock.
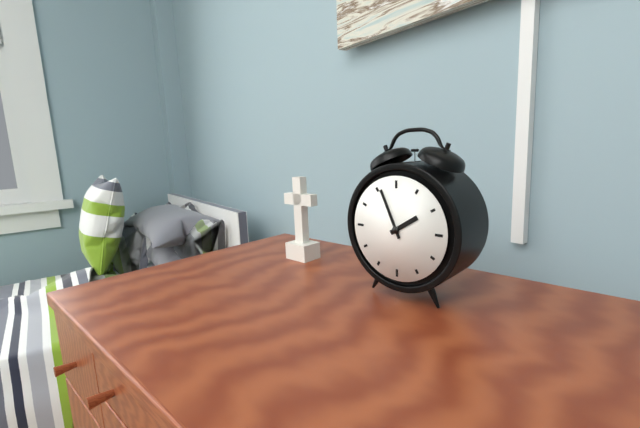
1:56
